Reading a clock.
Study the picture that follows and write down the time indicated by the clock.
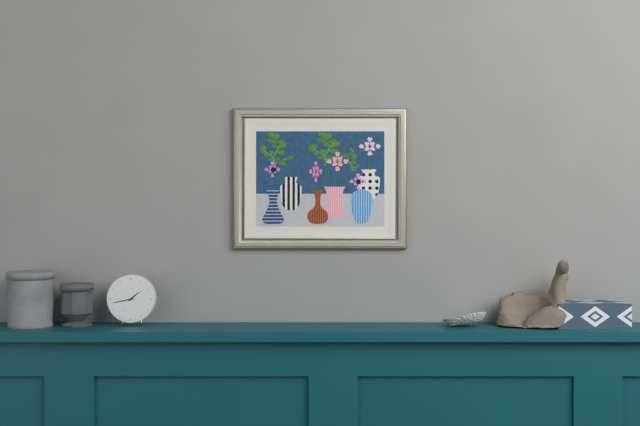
1:43
